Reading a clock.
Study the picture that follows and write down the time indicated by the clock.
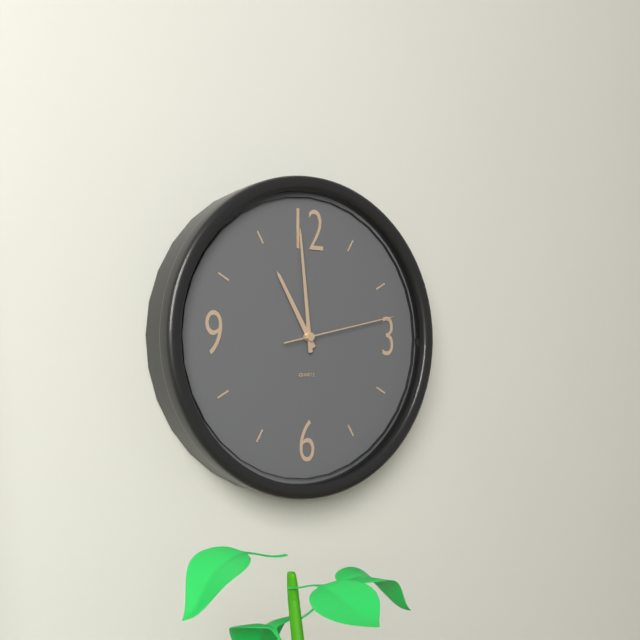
10:59:13
